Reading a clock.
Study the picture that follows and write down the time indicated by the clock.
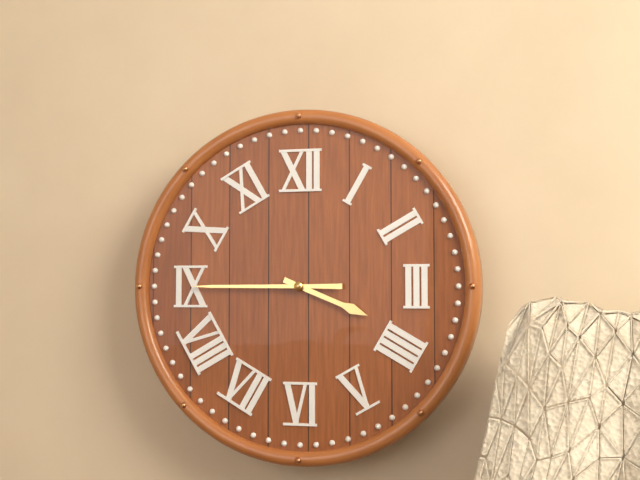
3:45
